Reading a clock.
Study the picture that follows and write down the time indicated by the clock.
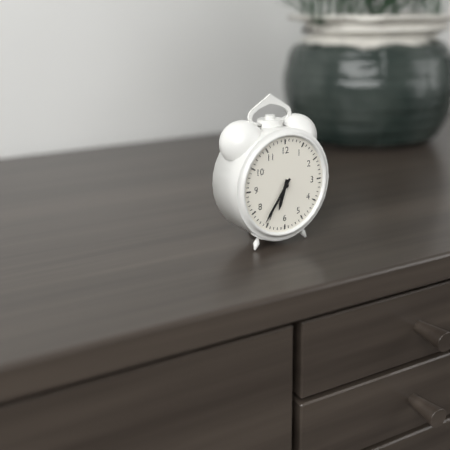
6:36
